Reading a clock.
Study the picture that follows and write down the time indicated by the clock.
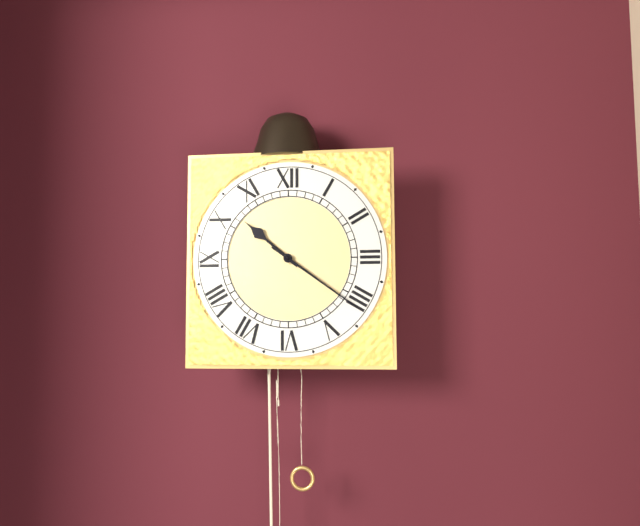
10:21
